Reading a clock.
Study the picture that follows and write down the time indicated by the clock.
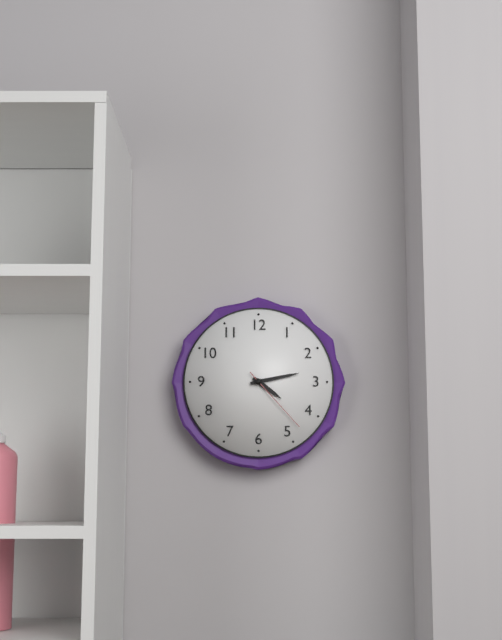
4:13:23
